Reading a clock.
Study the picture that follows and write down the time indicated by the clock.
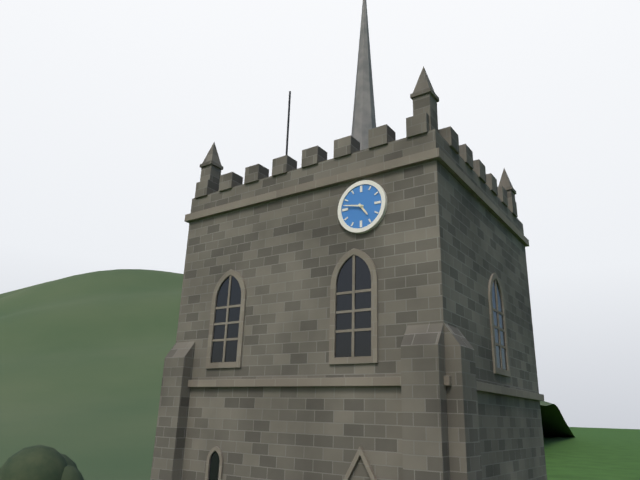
4:47
